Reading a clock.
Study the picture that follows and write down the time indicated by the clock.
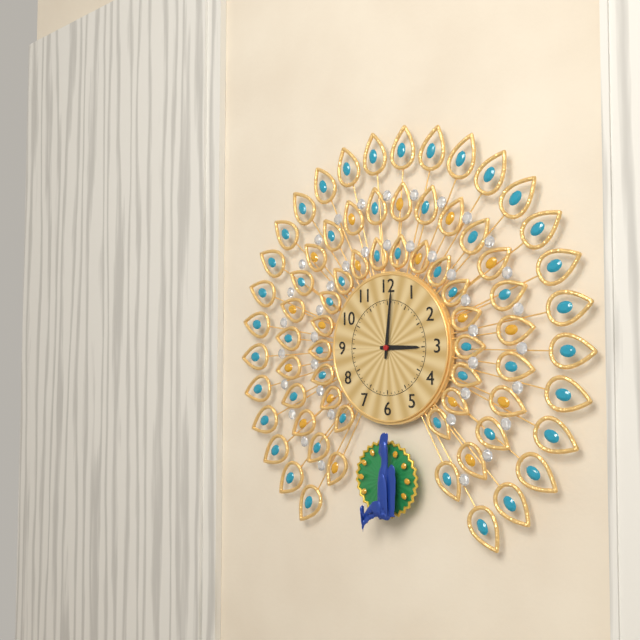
3:01
